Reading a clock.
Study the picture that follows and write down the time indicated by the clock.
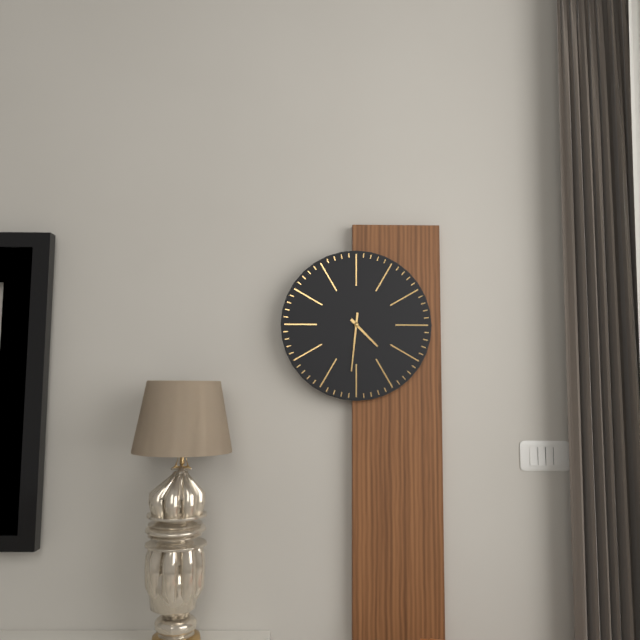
4:31
